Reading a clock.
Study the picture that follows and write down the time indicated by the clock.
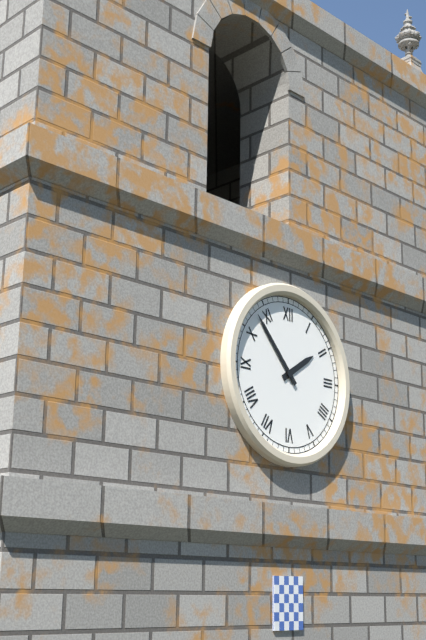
1:53
